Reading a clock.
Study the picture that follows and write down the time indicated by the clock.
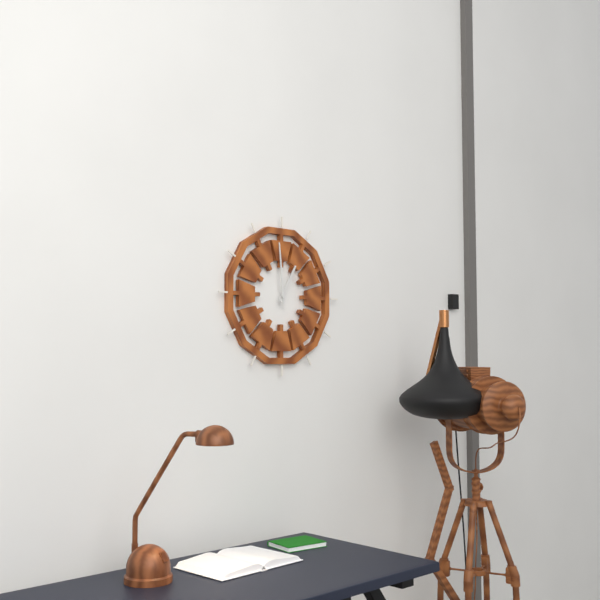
12:59
